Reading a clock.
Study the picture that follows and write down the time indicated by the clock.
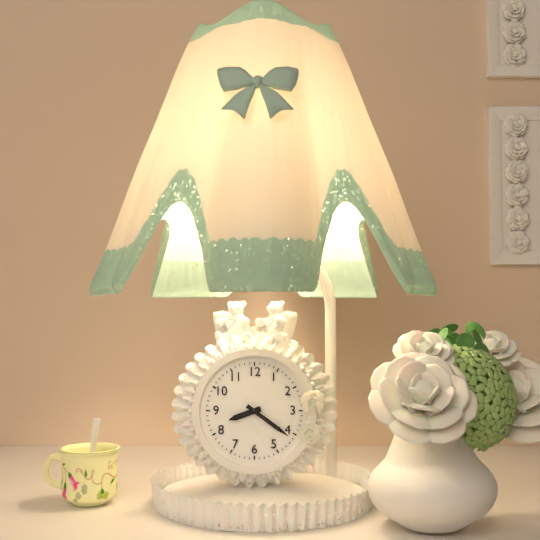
8:21
